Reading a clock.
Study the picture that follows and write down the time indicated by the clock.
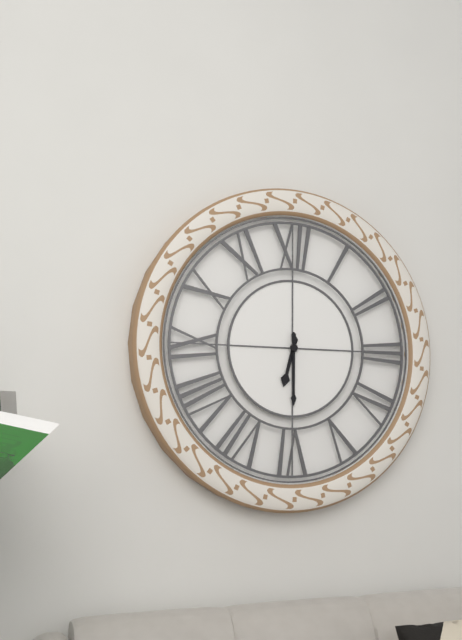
6:30
